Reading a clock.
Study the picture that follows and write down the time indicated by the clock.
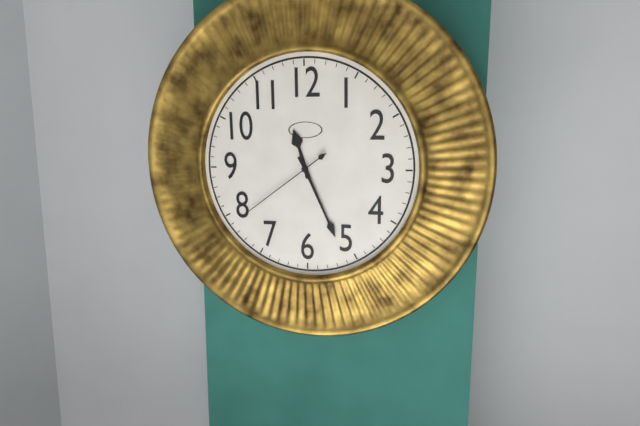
11:26:39
